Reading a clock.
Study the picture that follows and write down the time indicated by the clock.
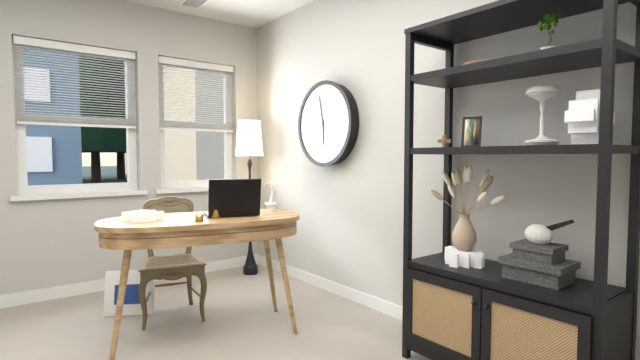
5:58
